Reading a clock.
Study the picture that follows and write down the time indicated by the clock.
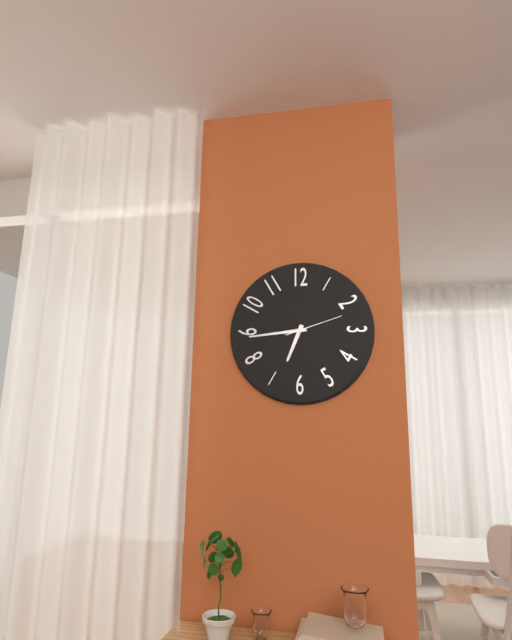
6:44:12
